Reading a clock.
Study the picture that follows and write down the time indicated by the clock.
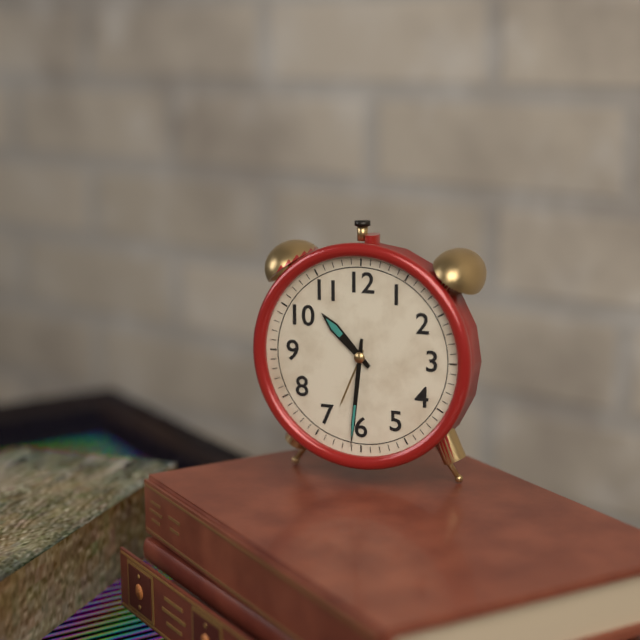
10:31
